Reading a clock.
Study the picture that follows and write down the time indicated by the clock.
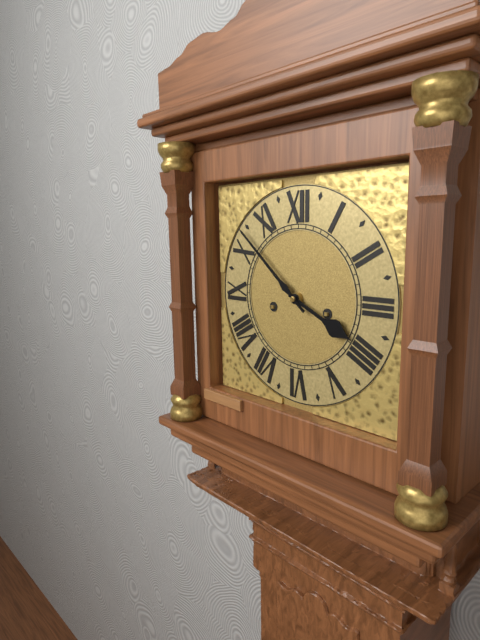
3:52
